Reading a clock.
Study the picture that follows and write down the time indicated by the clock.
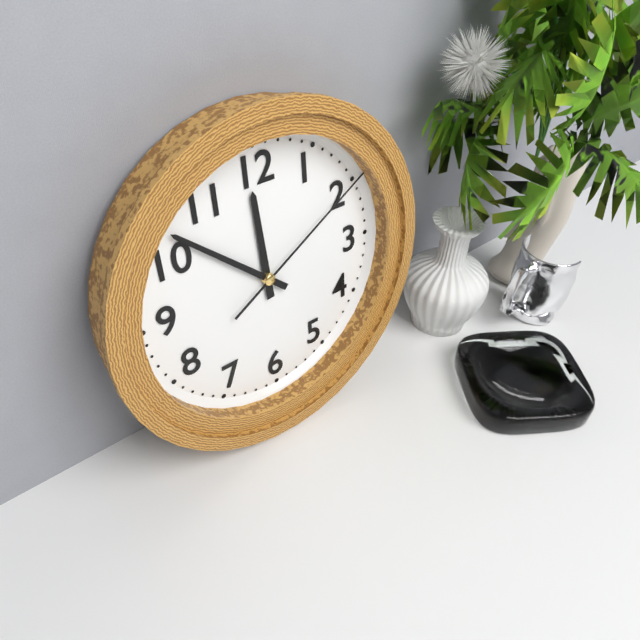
11:52:10
